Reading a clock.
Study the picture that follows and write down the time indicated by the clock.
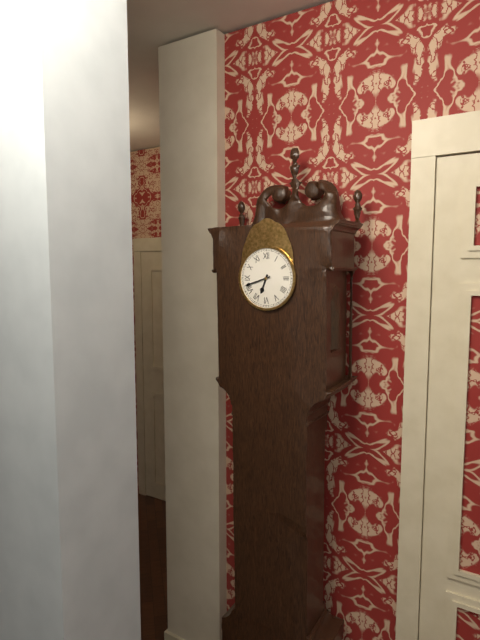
6:42
